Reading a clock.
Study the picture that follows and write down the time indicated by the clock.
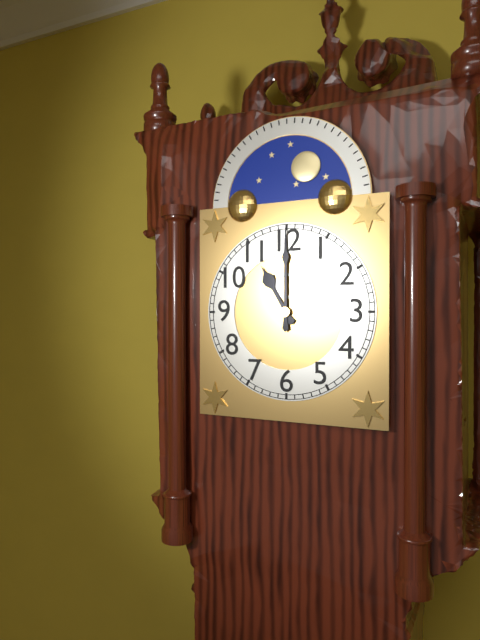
11:00
